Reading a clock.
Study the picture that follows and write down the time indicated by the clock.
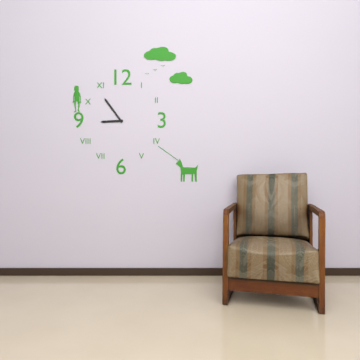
8:54
